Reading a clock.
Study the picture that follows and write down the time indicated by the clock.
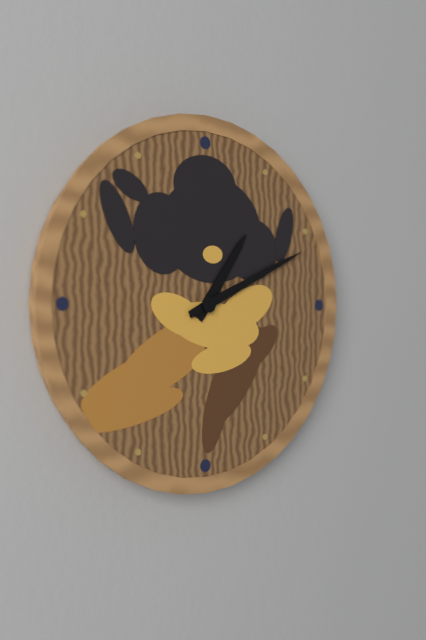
1:11
